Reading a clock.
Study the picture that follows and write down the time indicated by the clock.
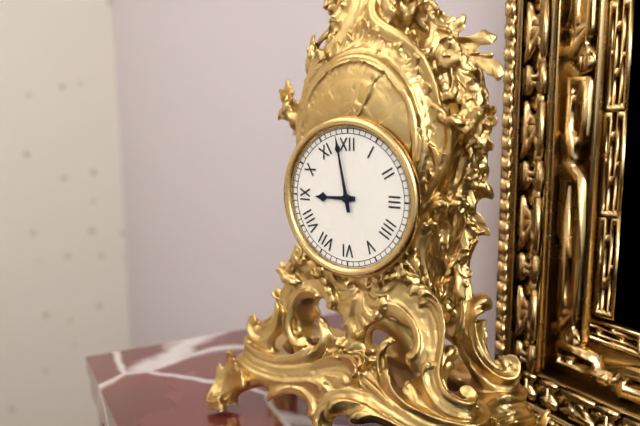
8:58
